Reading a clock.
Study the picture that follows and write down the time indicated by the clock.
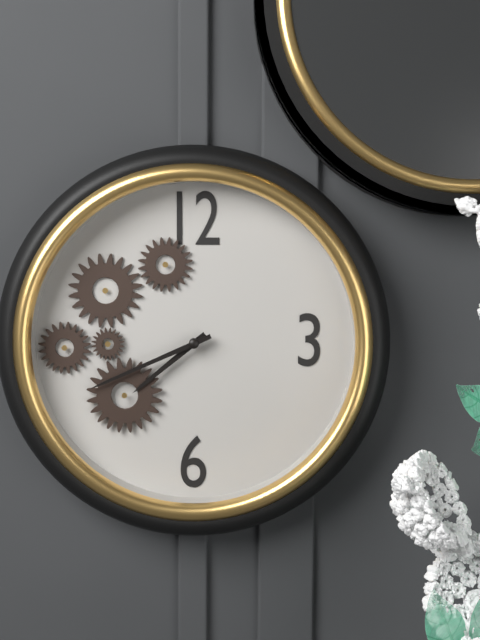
7:41
